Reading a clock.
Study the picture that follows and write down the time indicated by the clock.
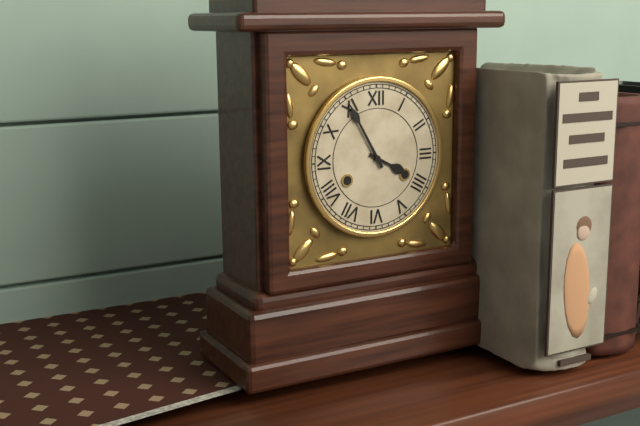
3:55
